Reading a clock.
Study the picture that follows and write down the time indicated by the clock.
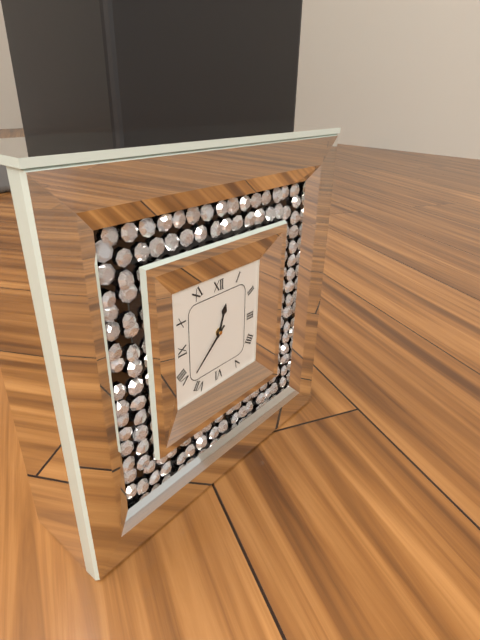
12:38
